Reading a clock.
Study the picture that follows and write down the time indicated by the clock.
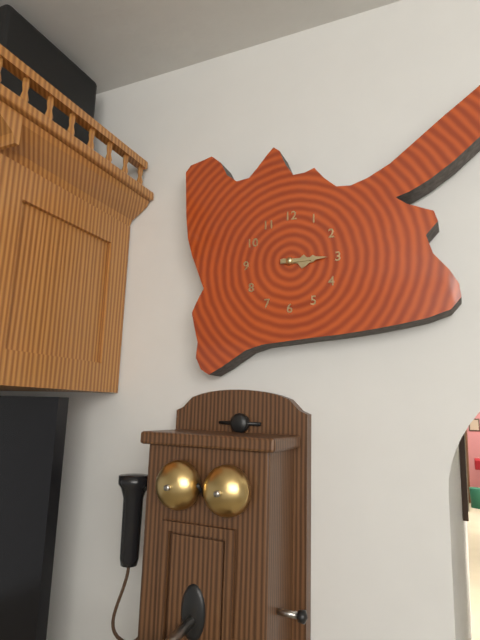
3:15
